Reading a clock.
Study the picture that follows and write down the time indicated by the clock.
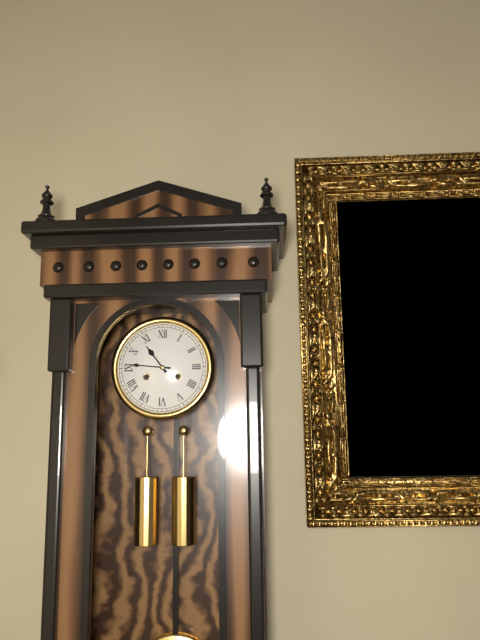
10:46
